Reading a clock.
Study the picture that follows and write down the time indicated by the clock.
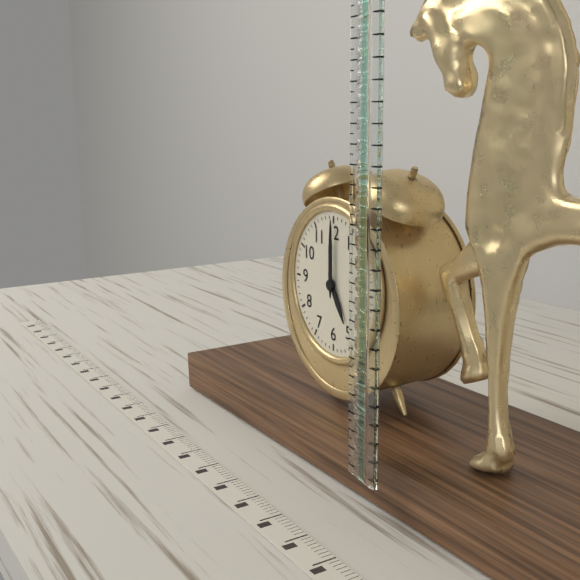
5:00
